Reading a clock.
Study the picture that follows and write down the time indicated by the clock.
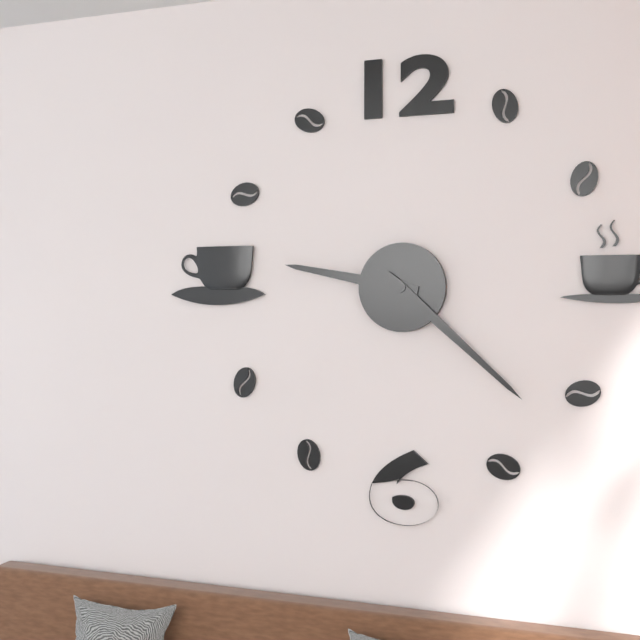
9:22
